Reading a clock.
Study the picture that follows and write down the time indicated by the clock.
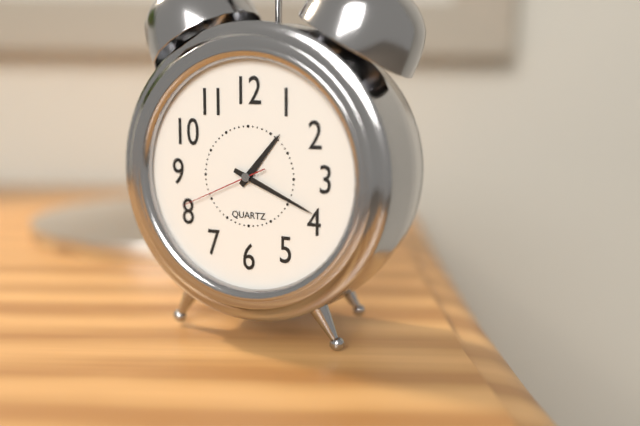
1:19:41
